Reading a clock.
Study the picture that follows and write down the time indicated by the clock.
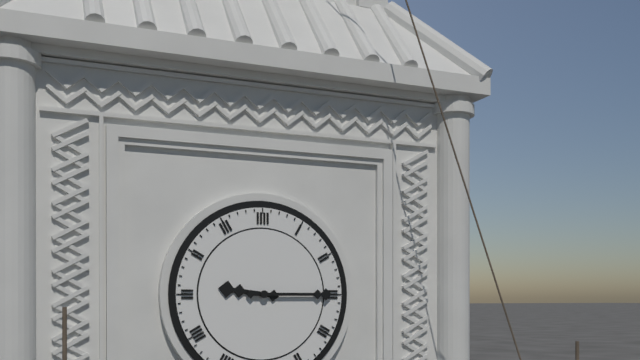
9:15
